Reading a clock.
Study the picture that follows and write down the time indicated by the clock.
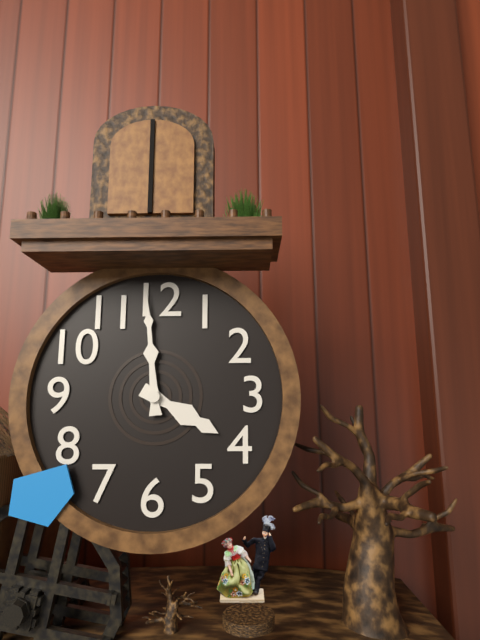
3:59
